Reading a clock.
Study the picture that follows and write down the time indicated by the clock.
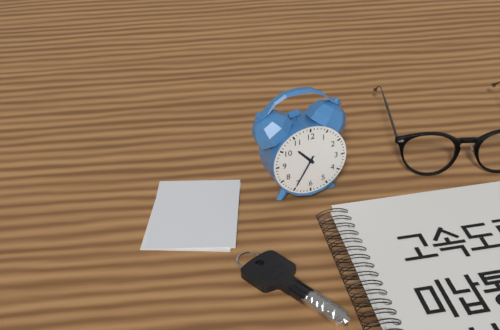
10:35
